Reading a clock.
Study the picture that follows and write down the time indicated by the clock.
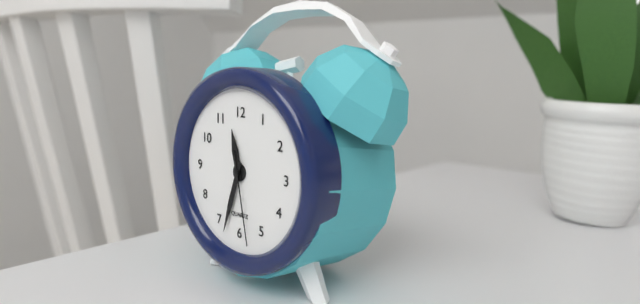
11:33:28
